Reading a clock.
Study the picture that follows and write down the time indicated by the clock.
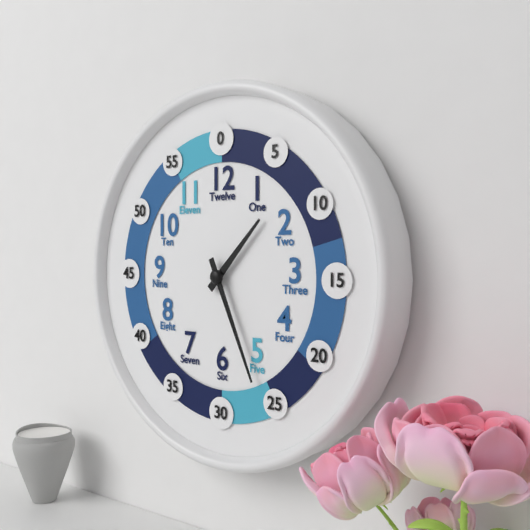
1:26
